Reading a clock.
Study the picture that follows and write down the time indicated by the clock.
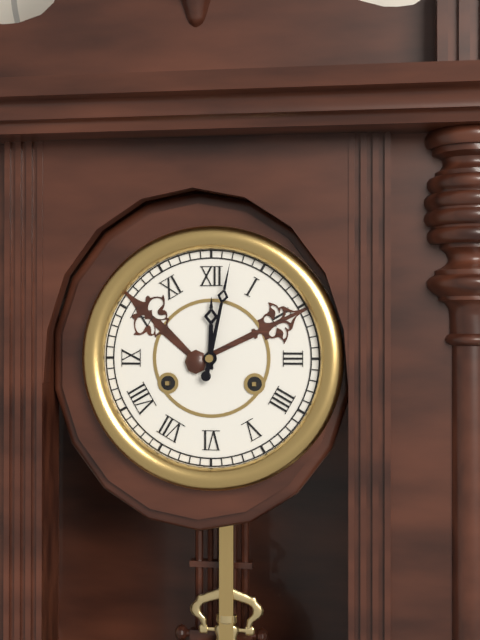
12:02
